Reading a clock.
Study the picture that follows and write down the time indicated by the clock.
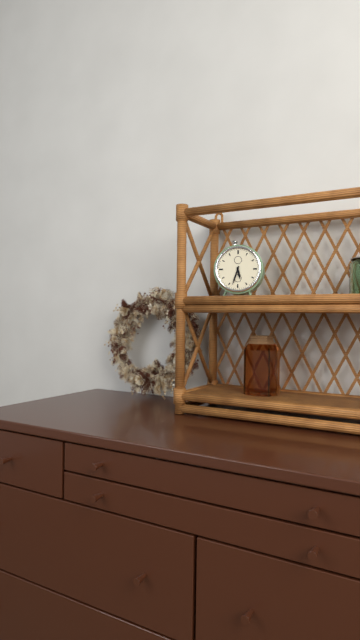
5:33
